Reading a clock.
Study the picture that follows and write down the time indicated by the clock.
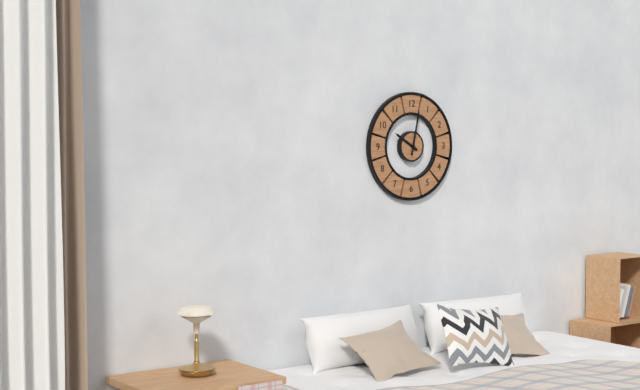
10:02
